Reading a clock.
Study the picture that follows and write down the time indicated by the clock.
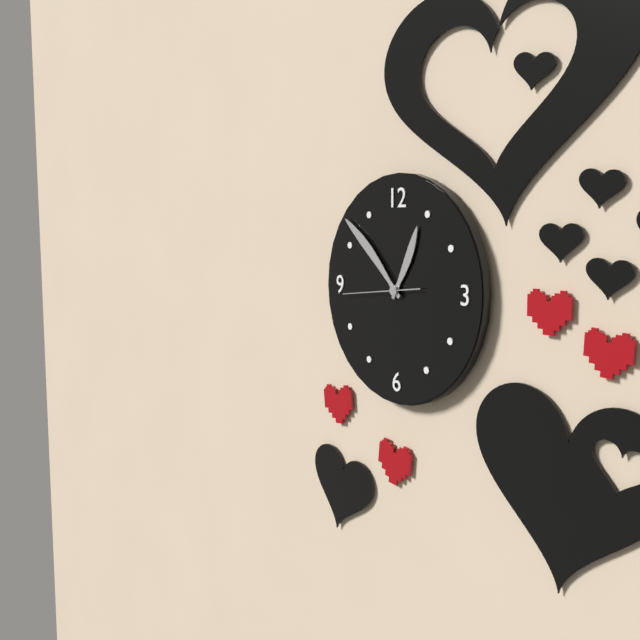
12:52:44
